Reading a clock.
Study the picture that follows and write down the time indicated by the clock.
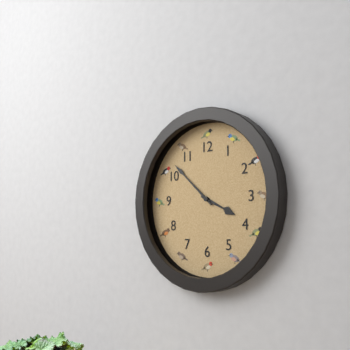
3:52
